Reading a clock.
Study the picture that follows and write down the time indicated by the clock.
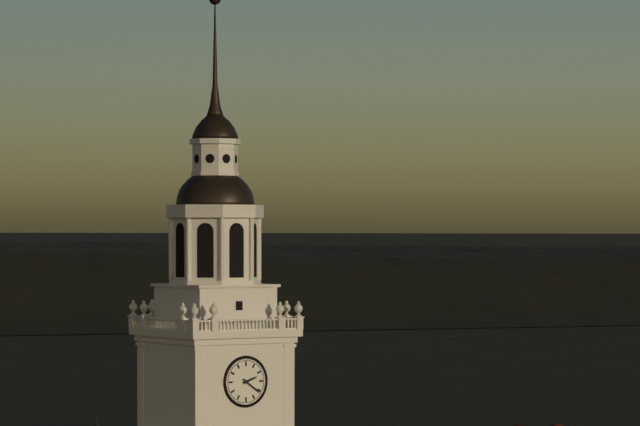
2:21
